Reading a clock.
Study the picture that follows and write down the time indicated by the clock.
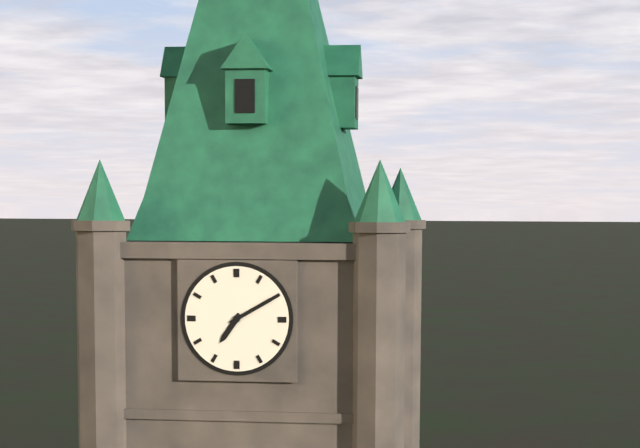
7:10
